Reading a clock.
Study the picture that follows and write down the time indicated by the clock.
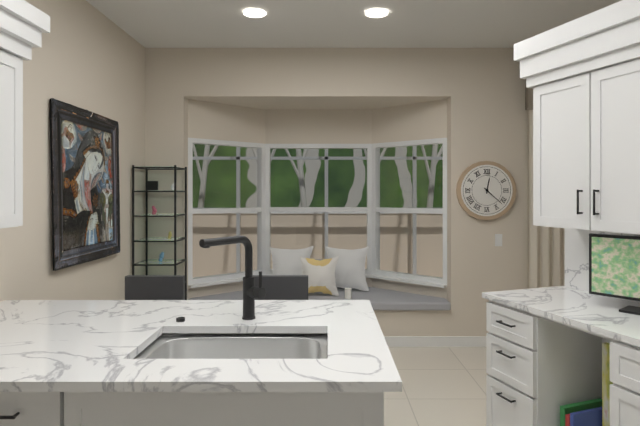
12:22
